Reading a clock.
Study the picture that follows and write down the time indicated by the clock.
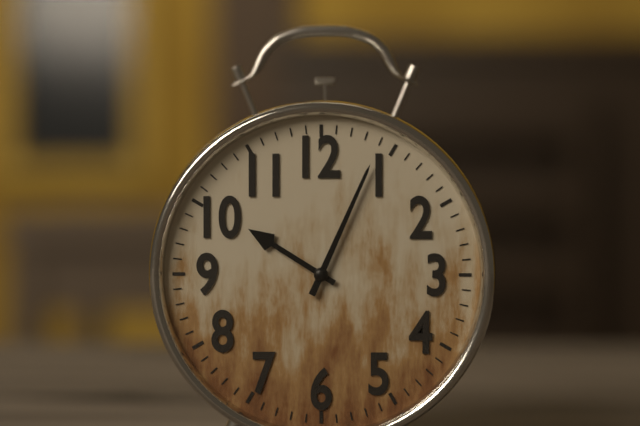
10:04
